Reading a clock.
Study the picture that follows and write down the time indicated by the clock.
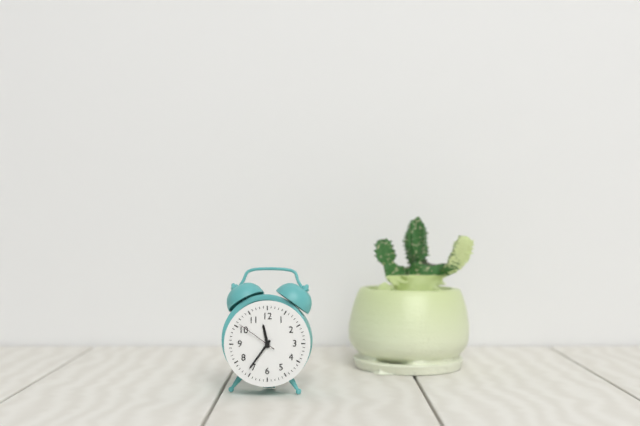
11:36
